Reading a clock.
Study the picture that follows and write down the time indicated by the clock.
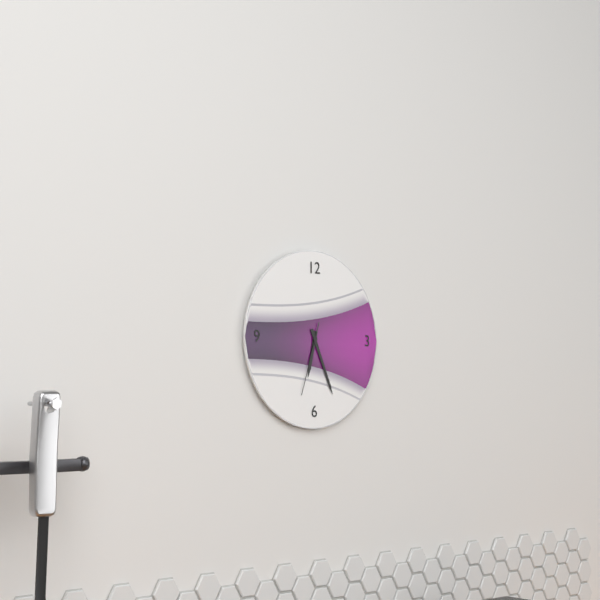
6:26:33
